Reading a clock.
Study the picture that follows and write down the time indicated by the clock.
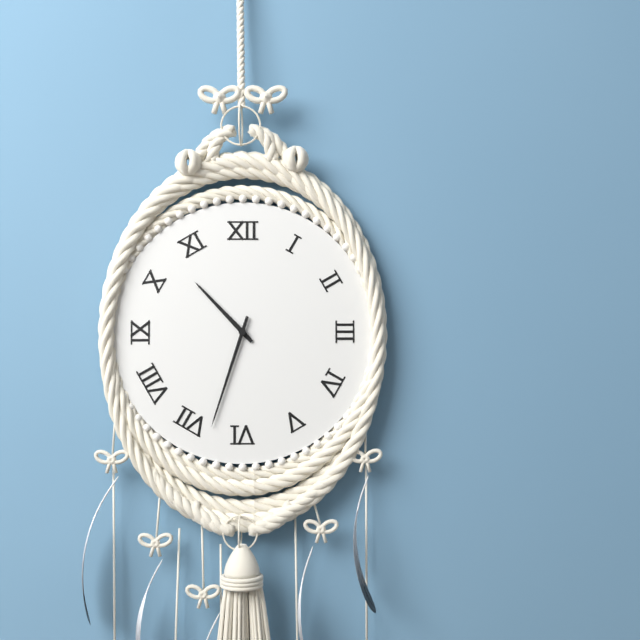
10:33
